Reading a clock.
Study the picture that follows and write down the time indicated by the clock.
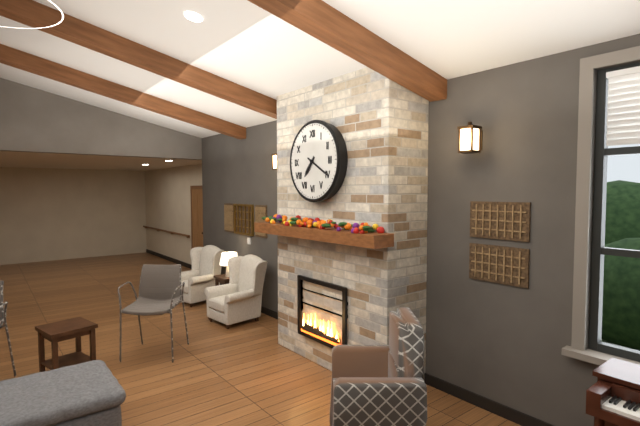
7:20
